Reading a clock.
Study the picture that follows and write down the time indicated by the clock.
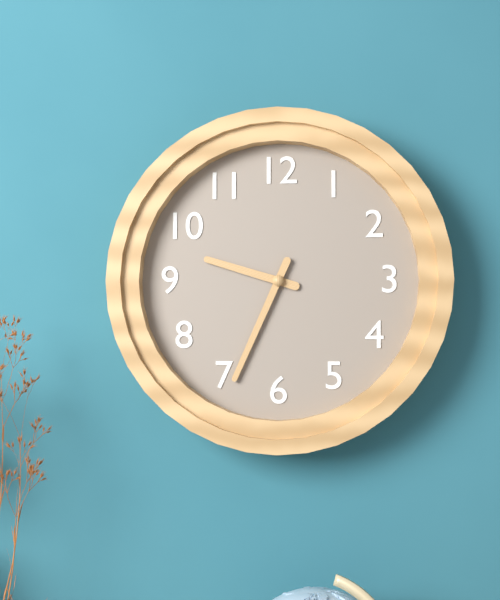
9:34
